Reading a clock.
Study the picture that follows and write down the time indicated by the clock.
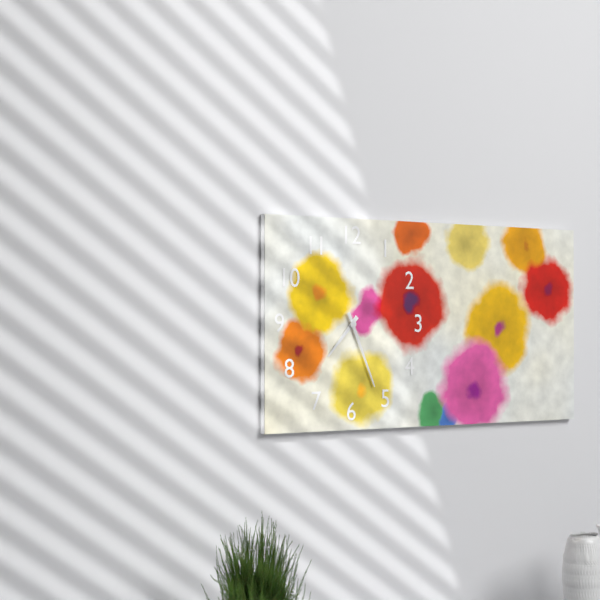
7:26
